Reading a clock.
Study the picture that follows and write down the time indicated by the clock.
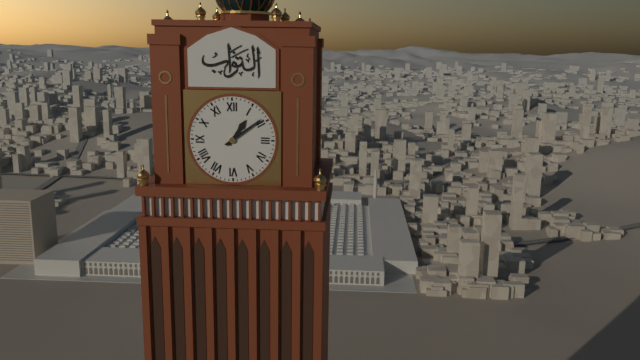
1:09
